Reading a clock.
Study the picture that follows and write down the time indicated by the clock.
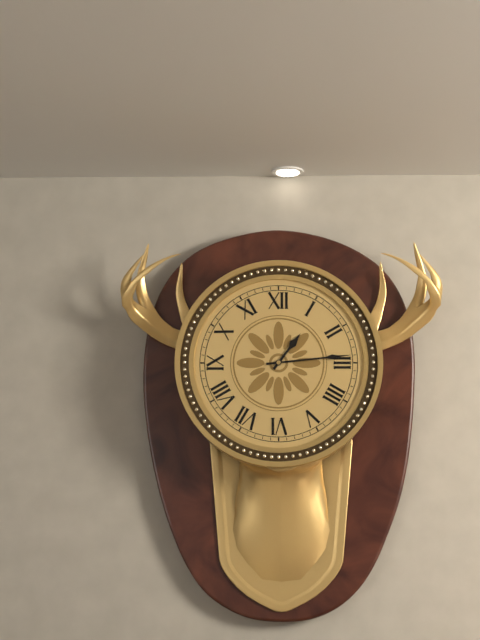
1:14
